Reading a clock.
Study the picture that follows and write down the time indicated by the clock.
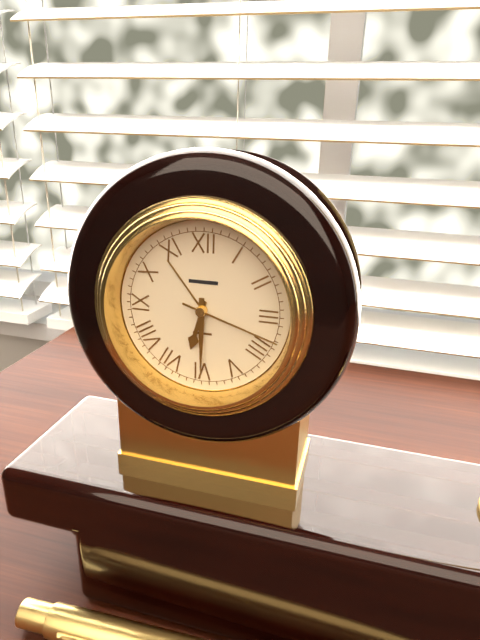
6:30:18
